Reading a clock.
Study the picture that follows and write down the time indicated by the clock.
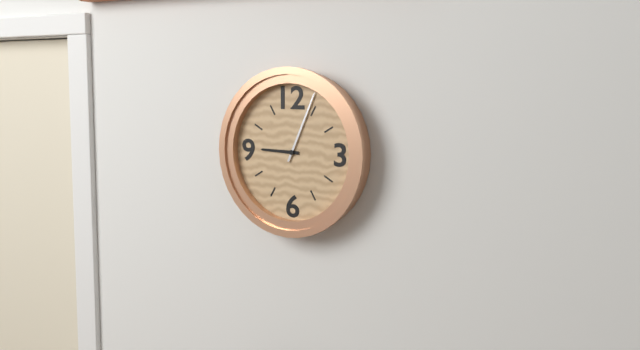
9:04
